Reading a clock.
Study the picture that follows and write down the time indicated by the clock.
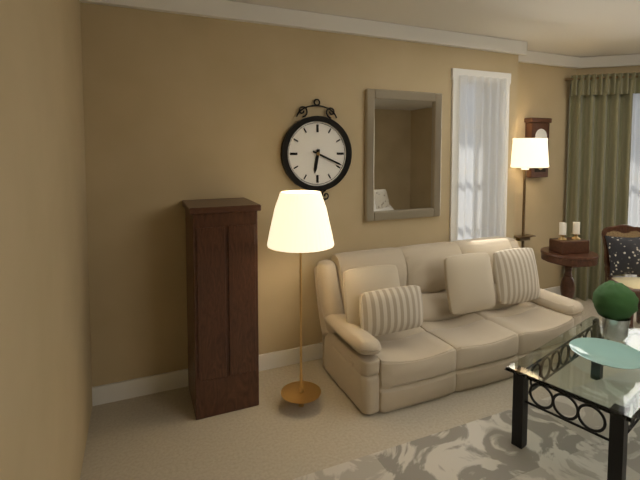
6:19
